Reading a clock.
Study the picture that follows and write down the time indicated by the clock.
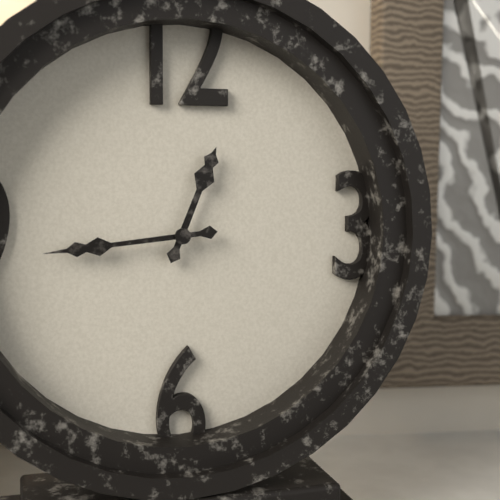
12:44
